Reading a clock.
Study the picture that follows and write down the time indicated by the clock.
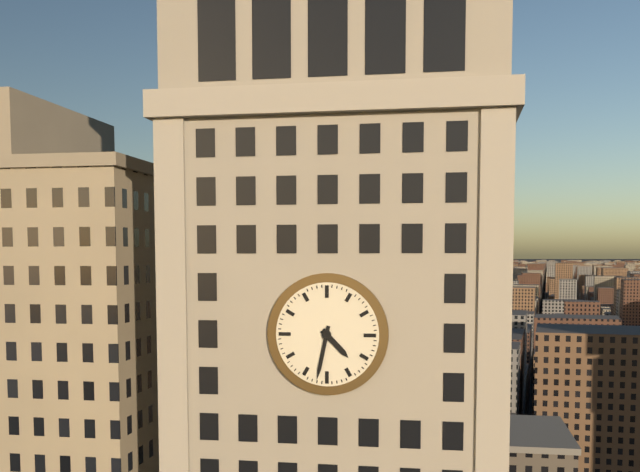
4:32
